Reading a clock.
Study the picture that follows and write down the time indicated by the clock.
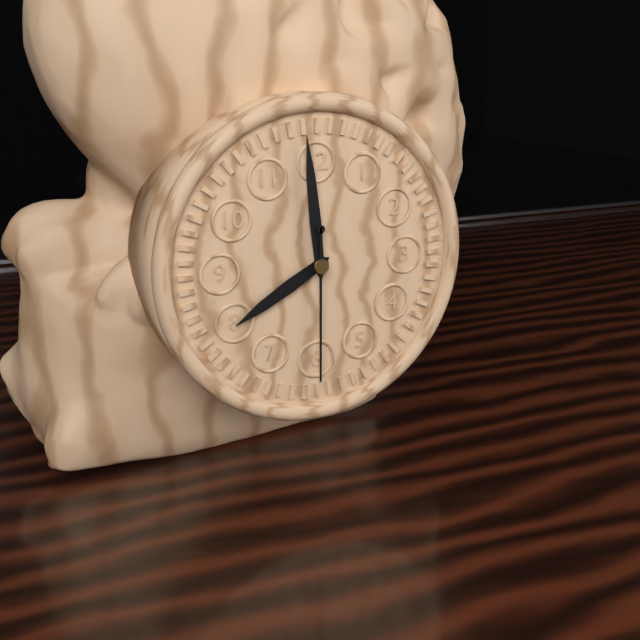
7:59:30
